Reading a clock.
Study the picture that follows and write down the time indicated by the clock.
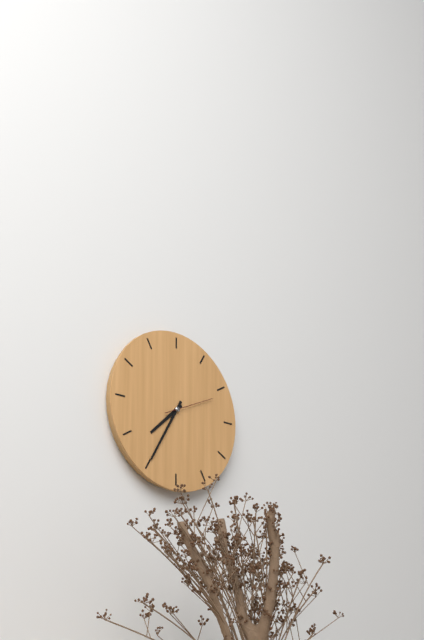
7:35
